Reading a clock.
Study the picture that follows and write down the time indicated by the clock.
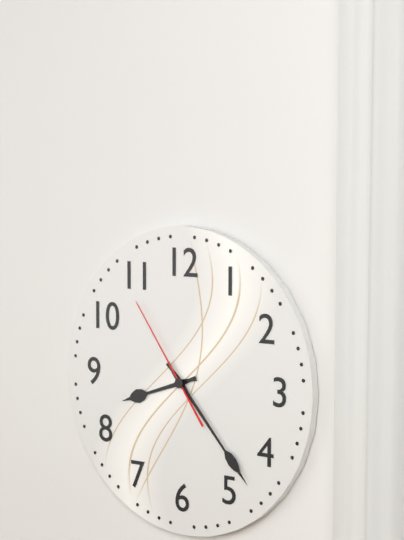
8:23:54
